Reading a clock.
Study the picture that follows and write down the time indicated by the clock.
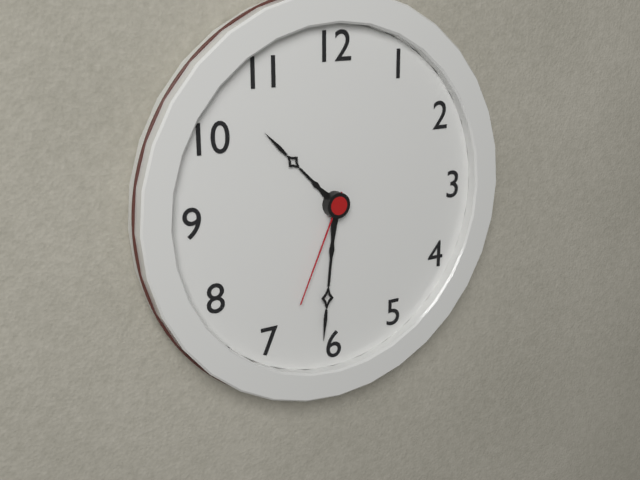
10:31:34
